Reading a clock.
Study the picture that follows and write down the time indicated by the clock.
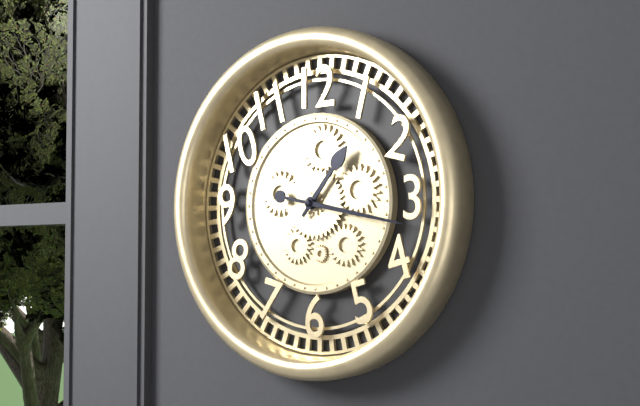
1:17
